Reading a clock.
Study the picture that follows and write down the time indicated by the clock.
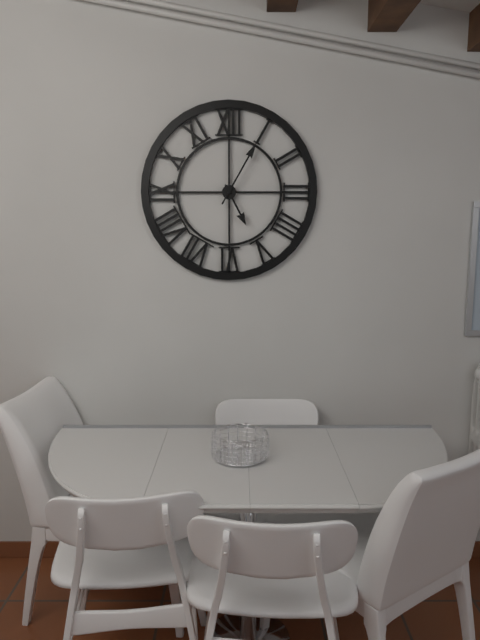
5:05
